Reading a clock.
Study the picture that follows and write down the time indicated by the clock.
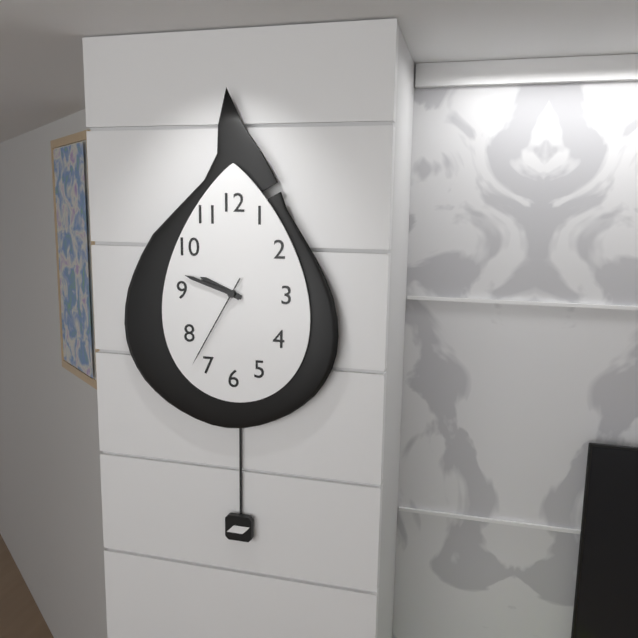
9:48:35
